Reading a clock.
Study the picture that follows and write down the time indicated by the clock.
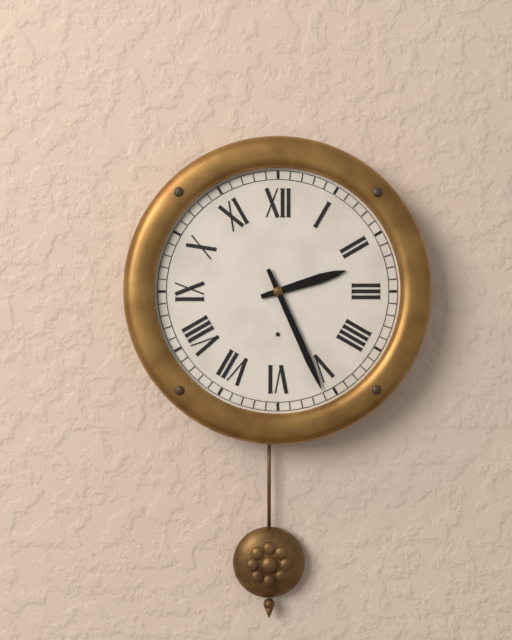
2:26
